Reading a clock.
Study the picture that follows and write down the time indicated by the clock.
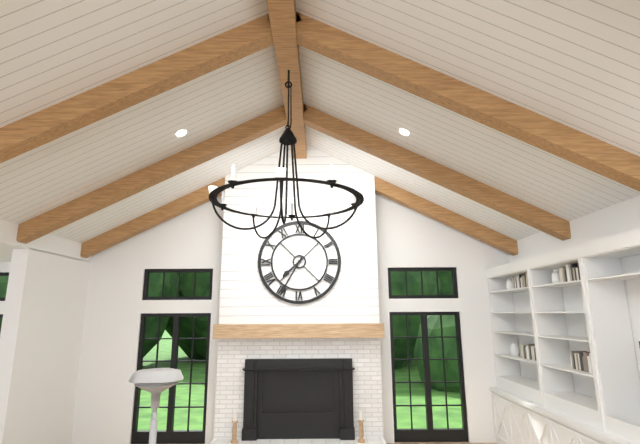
7:35
